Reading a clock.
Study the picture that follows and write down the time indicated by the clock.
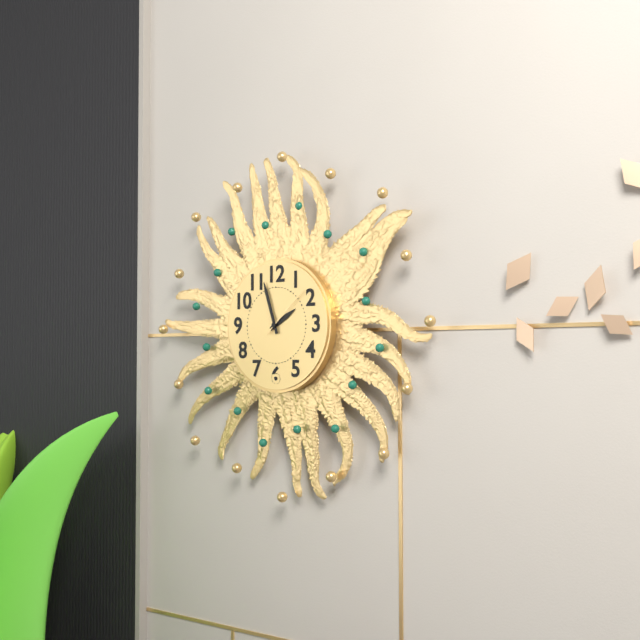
1:57:08
